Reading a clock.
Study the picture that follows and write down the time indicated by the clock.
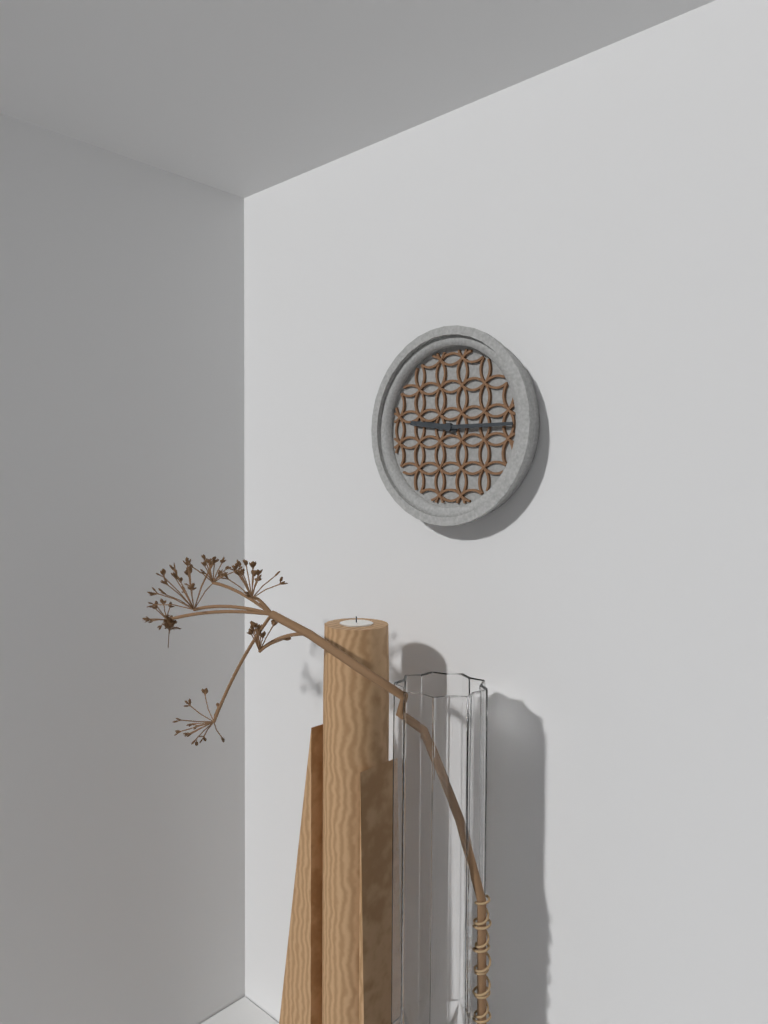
9:15
